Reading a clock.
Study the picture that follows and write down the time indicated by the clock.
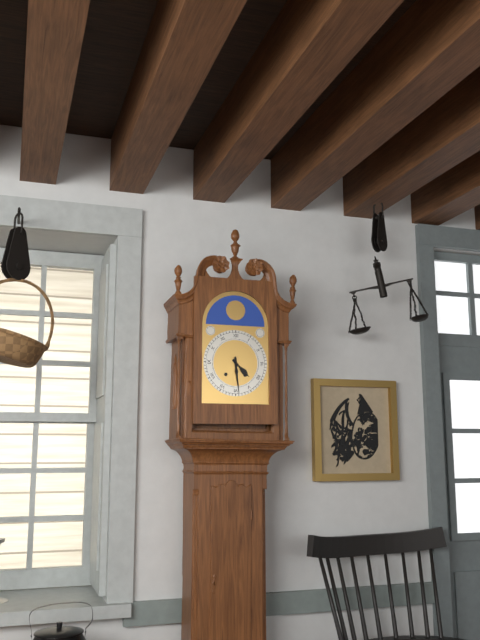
4:29
